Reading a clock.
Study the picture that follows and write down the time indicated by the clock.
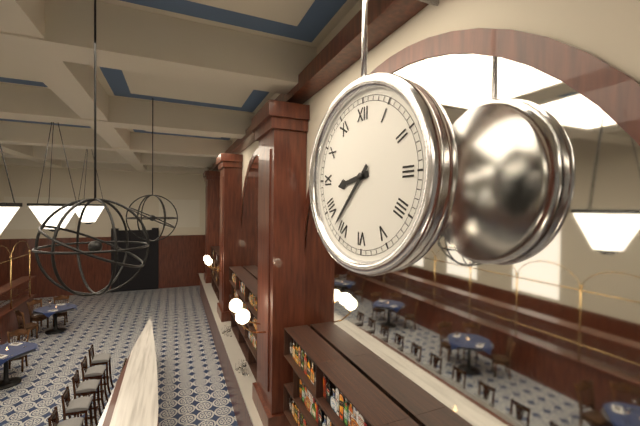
8:37
